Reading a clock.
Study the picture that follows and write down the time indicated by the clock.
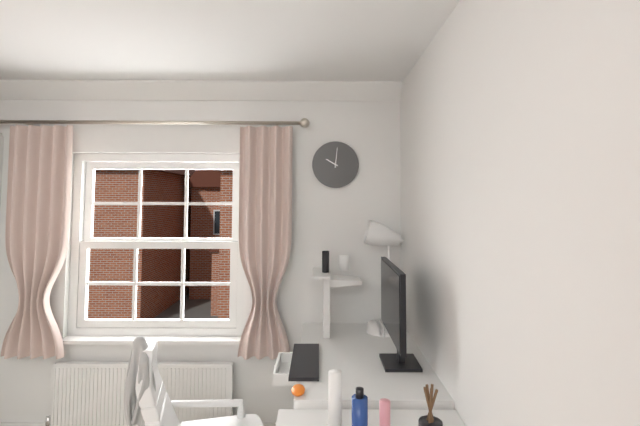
10:01
